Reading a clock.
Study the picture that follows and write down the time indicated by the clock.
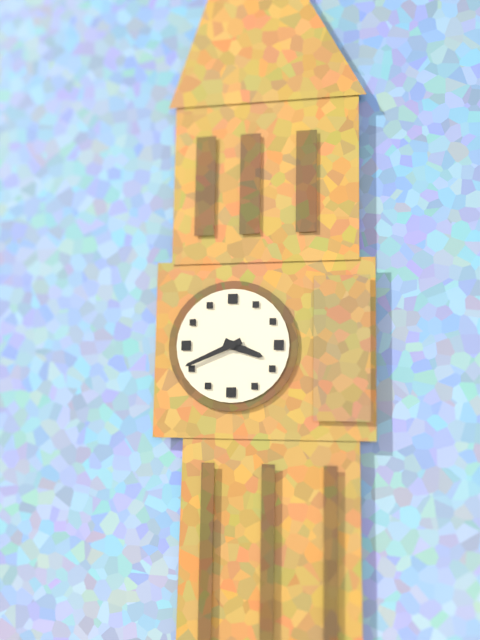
3:41
